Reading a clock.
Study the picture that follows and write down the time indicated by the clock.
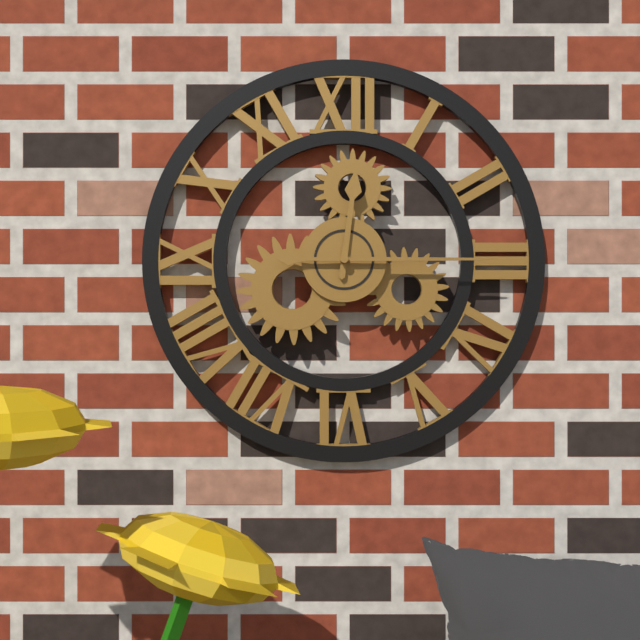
12:15
